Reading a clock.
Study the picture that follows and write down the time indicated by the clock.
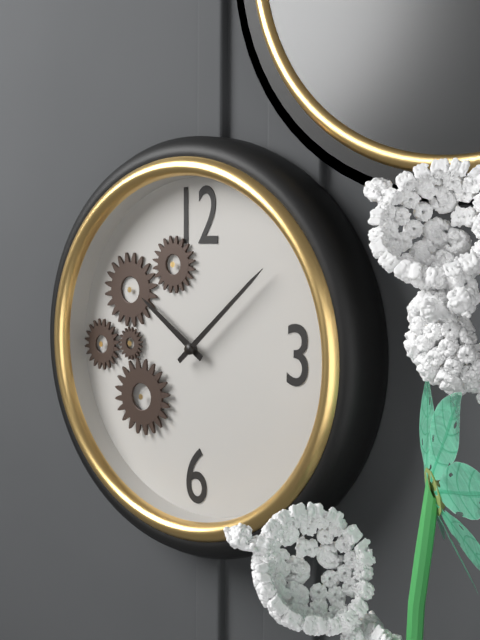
10:08
